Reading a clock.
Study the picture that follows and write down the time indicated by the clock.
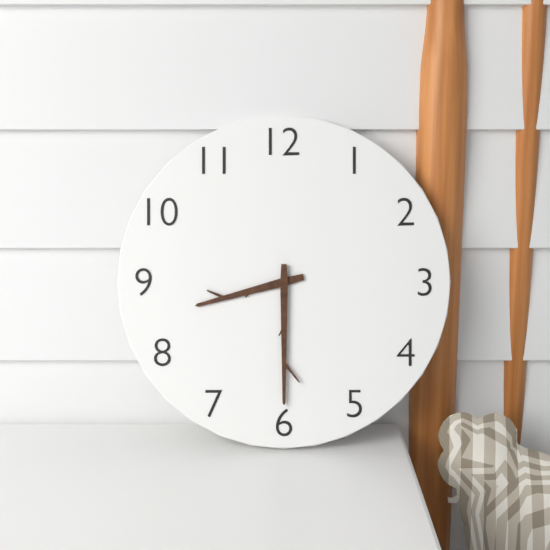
8:30
